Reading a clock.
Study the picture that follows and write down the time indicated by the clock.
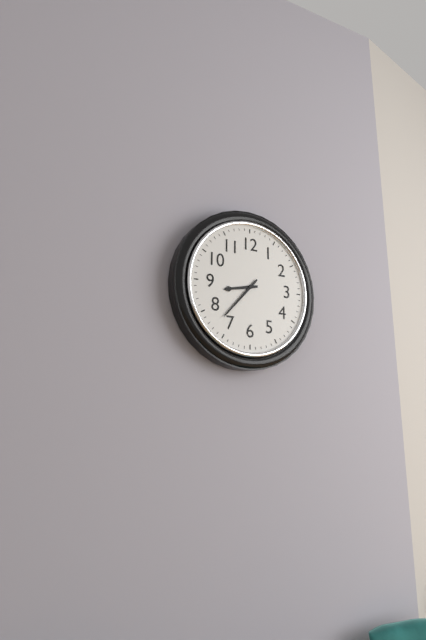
8:37
